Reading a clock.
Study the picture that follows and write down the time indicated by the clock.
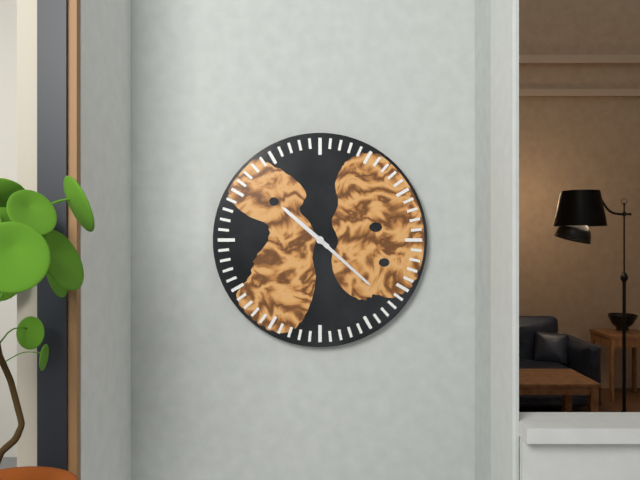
10:22
